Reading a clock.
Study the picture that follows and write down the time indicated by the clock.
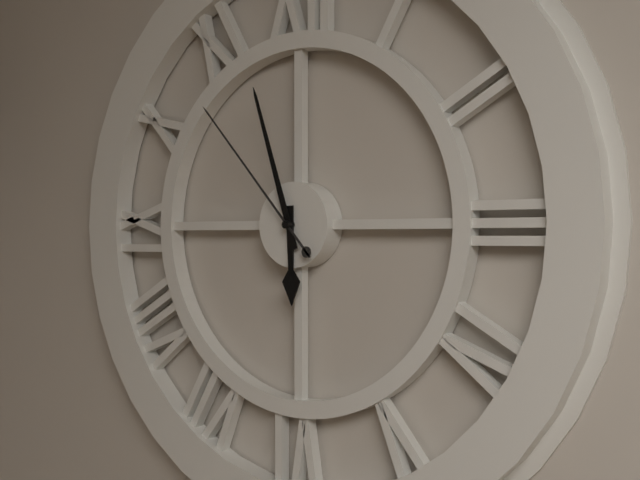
5:57:53
